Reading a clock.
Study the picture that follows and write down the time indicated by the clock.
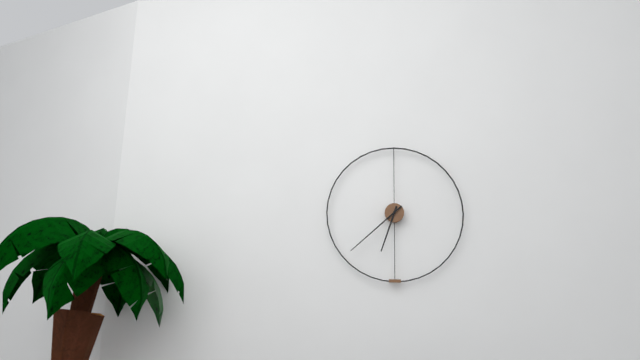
6:38
